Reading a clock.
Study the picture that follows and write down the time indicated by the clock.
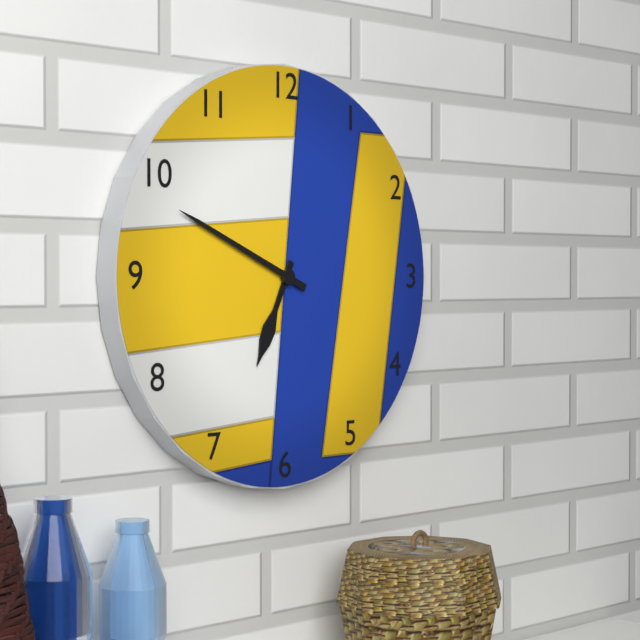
6:49
